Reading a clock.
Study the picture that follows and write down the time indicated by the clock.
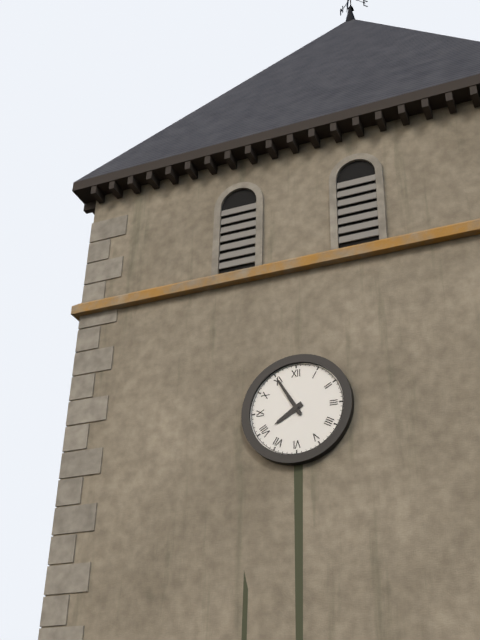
7:55
